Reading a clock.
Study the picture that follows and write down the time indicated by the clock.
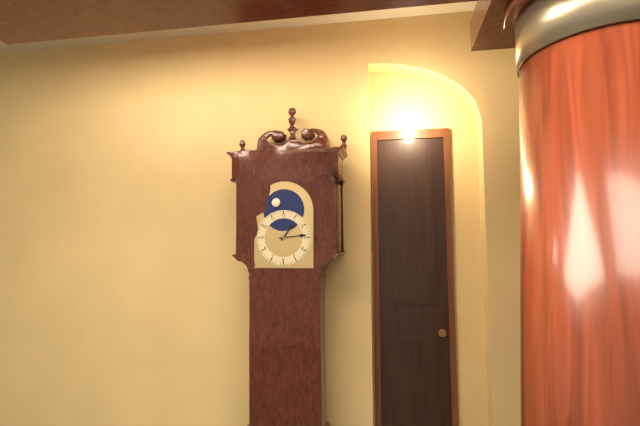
1:14
